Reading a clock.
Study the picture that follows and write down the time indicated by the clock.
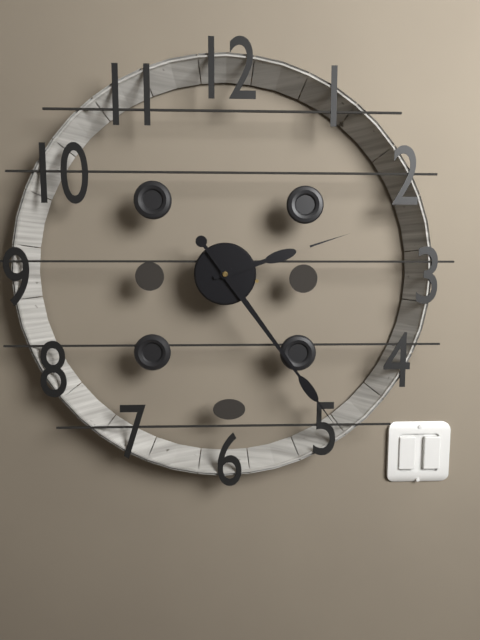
2:24
